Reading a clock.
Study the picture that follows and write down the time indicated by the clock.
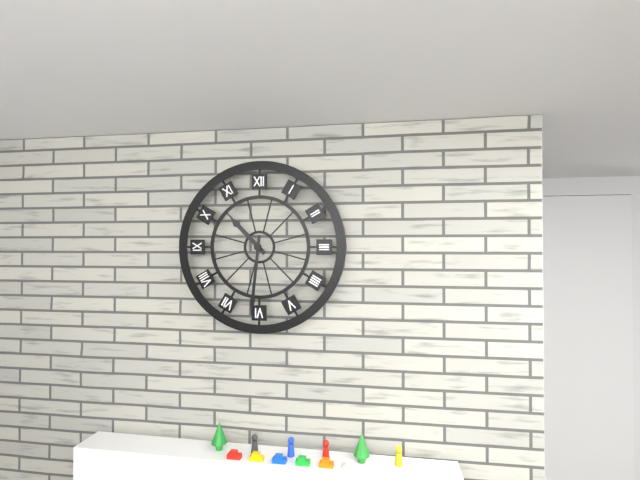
10:31
